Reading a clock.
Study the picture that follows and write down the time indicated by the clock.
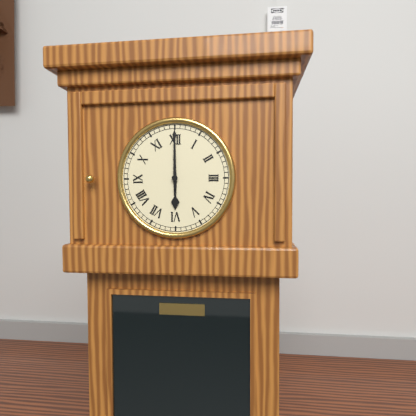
6:00
